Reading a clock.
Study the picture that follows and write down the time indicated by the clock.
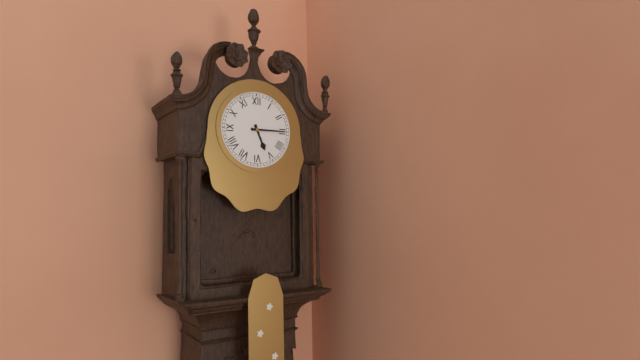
5:15
